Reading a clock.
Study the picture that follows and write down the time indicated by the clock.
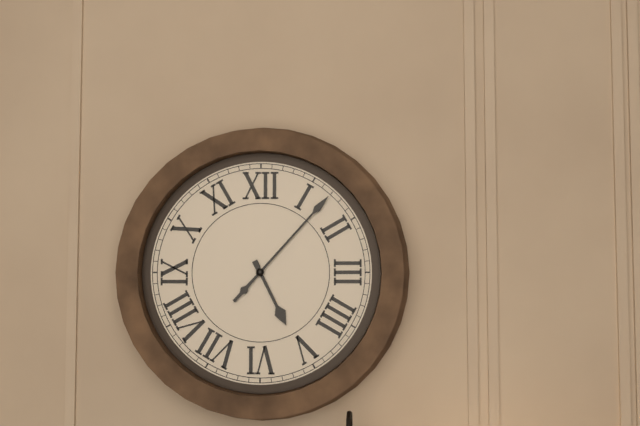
5:07
